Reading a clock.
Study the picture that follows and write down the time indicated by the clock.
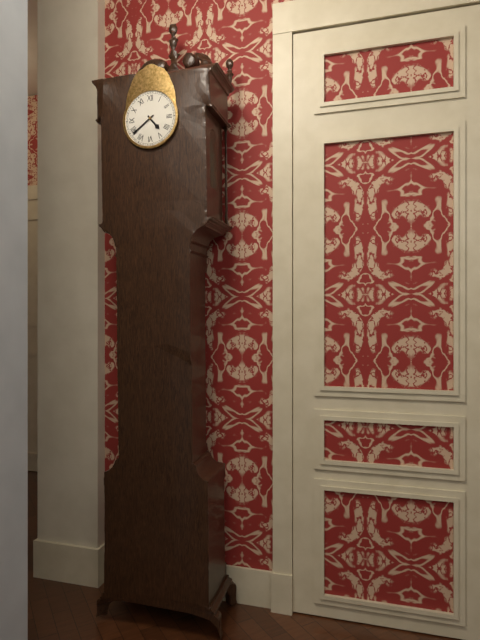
4:39
